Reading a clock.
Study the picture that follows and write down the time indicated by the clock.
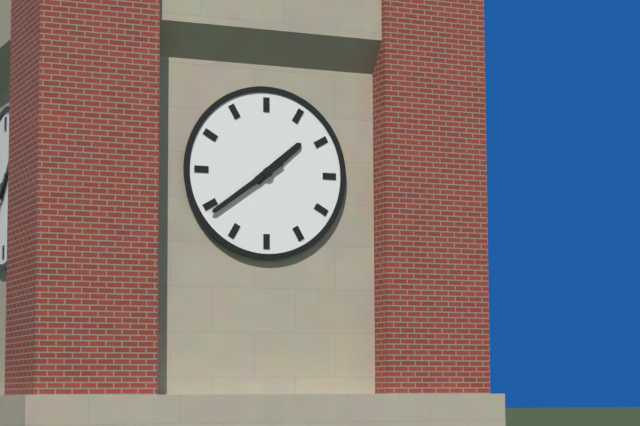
1:39
